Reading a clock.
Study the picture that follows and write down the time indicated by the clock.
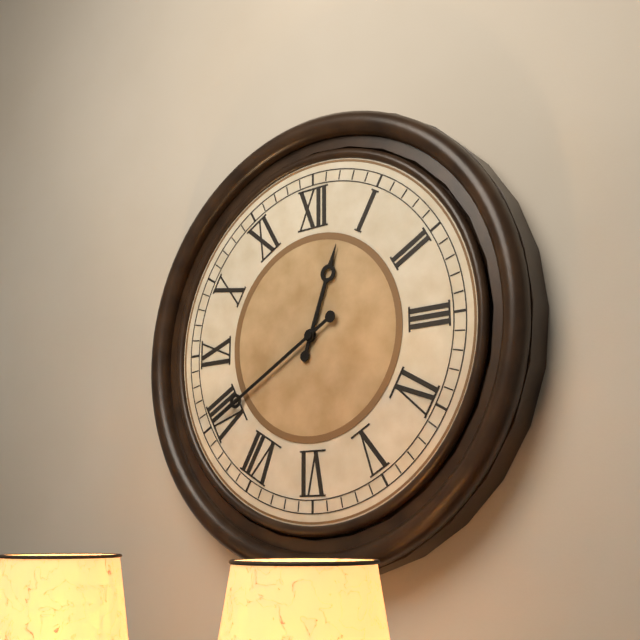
12:40
